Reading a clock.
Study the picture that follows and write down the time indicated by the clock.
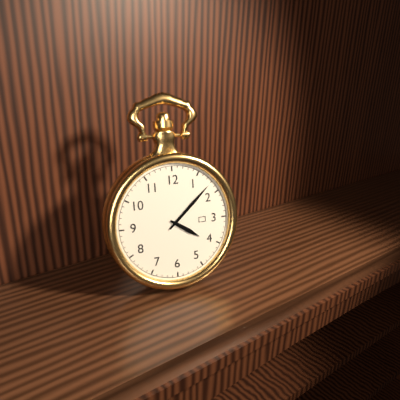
4:08
